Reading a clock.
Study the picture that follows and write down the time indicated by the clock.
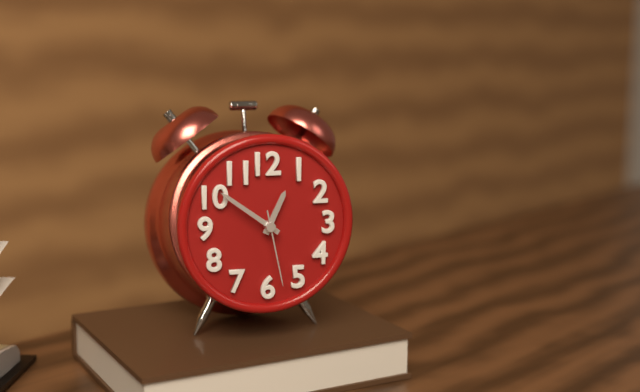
12:51:28
